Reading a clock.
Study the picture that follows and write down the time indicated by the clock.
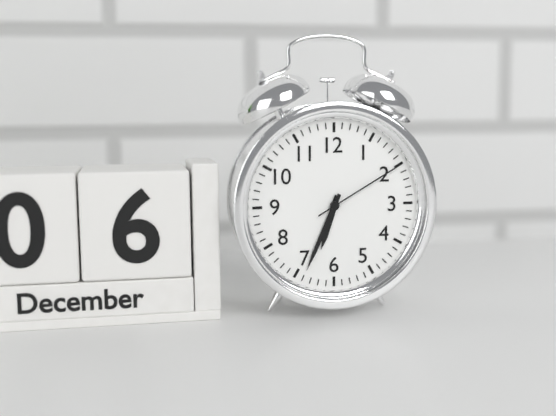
6:34:10
